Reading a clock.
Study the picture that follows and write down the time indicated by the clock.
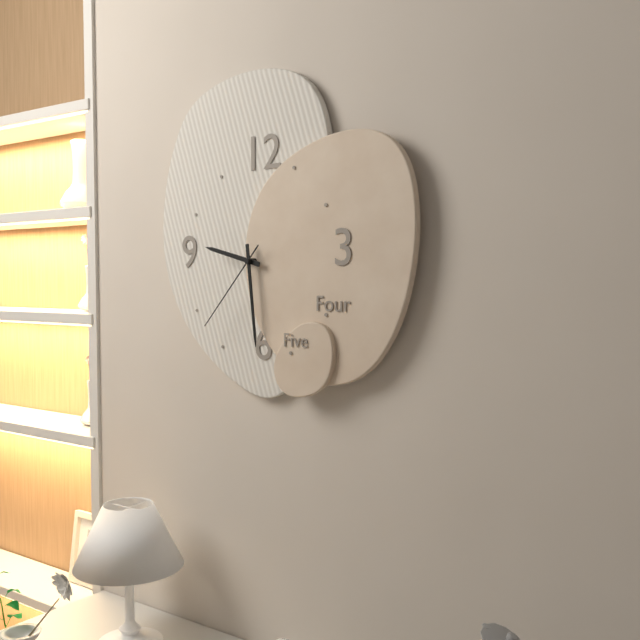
9:29:37
